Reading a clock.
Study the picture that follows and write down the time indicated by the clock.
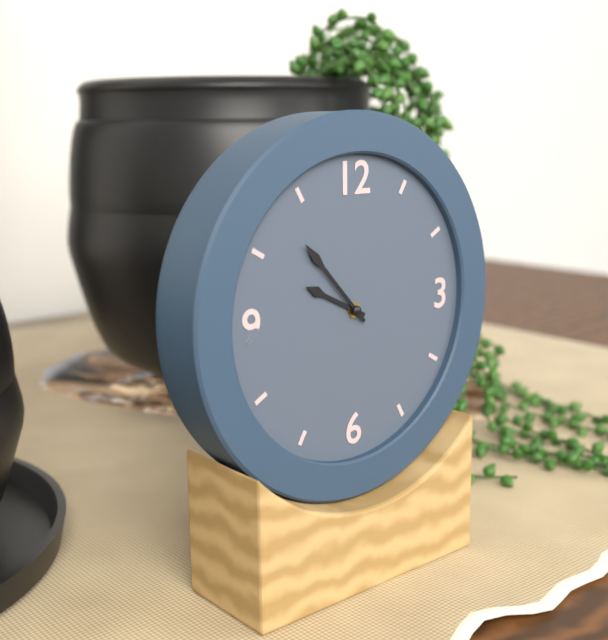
9:53
